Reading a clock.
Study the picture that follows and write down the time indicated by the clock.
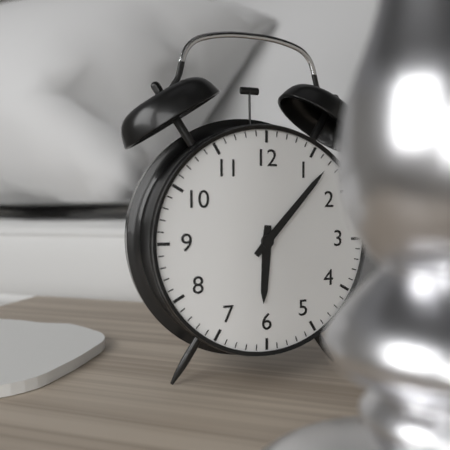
6:07
